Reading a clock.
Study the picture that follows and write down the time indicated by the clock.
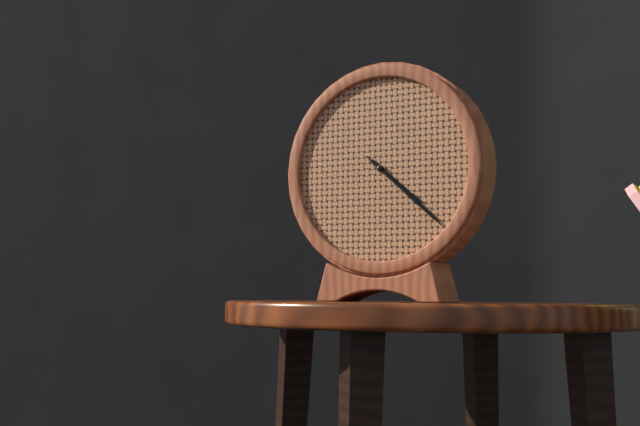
4:22:22
